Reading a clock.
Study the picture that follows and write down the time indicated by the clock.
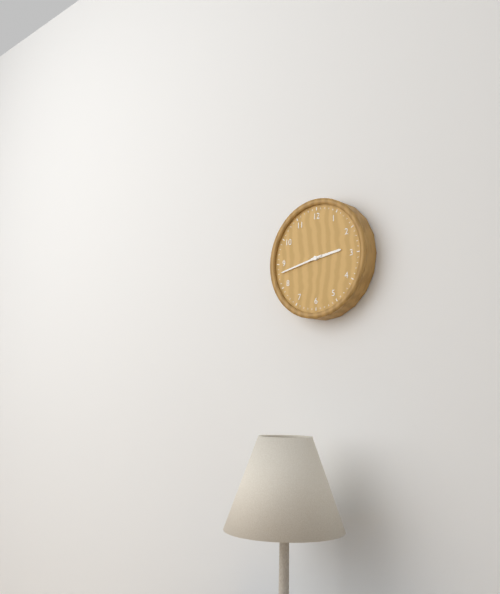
2:43
